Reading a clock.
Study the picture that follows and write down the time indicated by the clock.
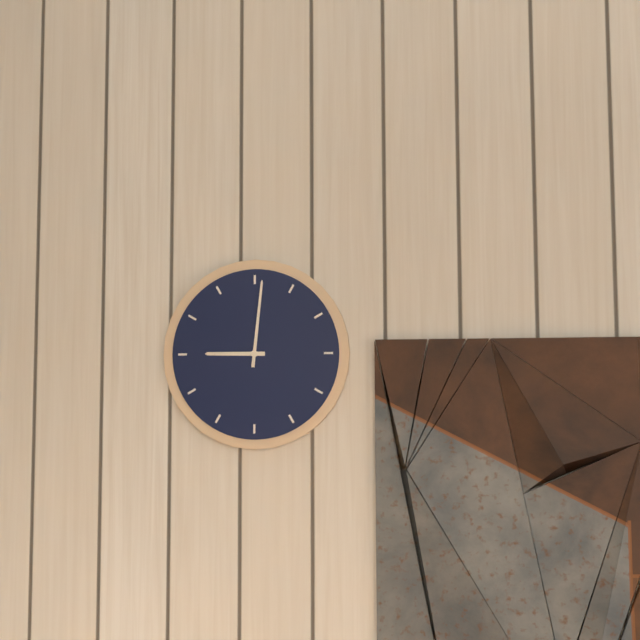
9:01
